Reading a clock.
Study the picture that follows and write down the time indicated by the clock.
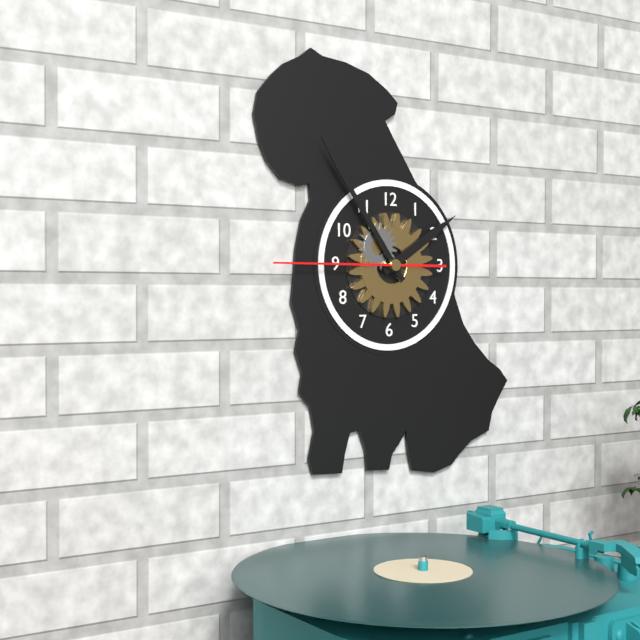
1:54:45
